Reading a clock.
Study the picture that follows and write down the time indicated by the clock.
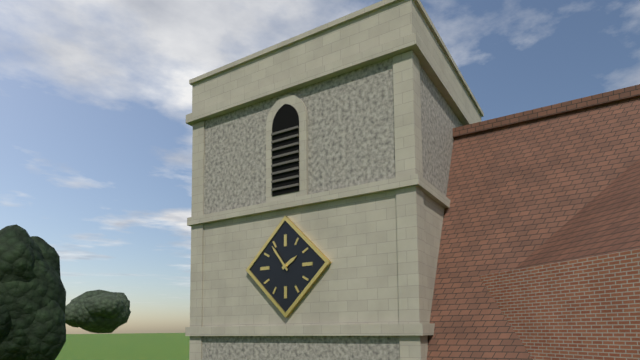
1:54
